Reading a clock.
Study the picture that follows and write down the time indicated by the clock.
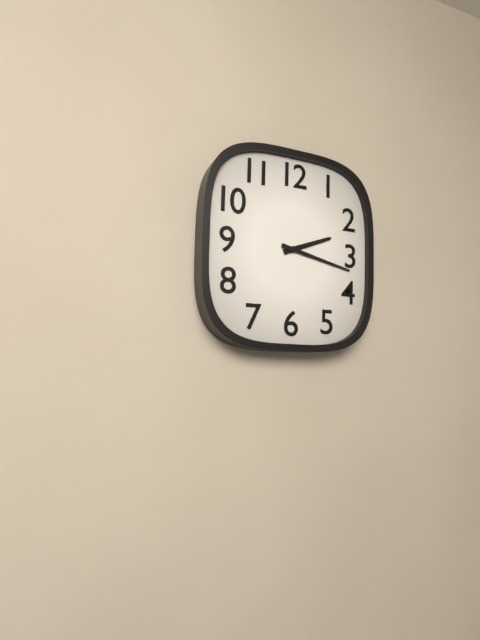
2:17
